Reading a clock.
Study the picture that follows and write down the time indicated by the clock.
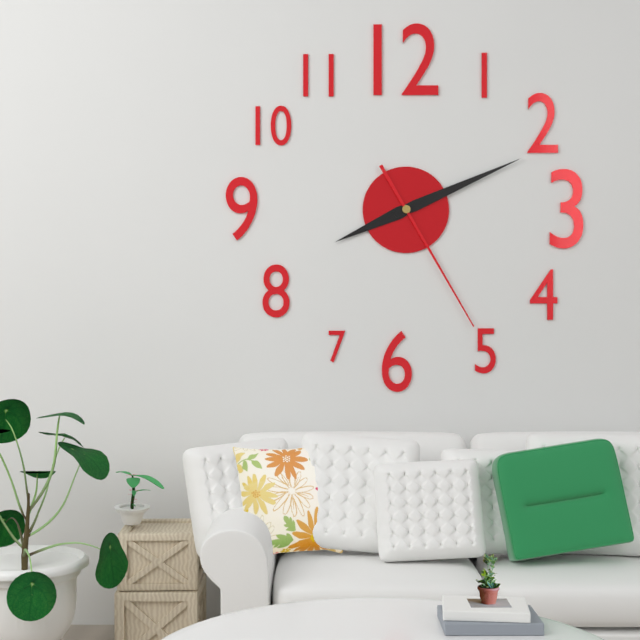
8:11:25
